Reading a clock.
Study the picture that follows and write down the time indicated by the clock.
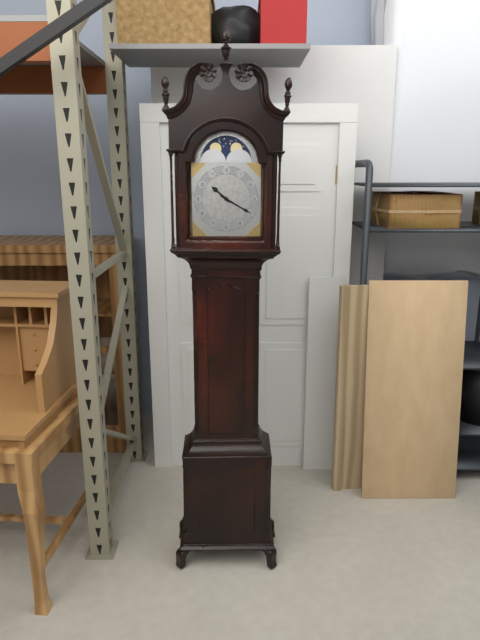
10:20
